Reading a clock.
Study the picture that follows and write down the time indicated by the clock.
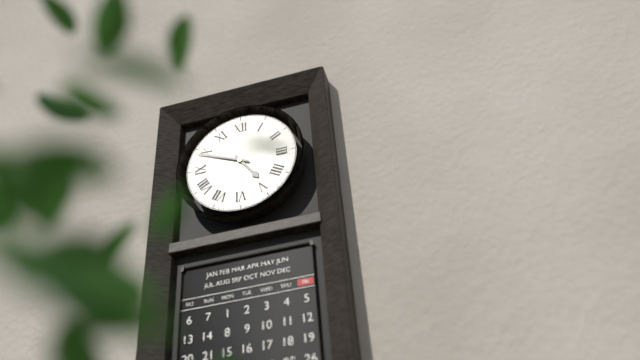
4:49
